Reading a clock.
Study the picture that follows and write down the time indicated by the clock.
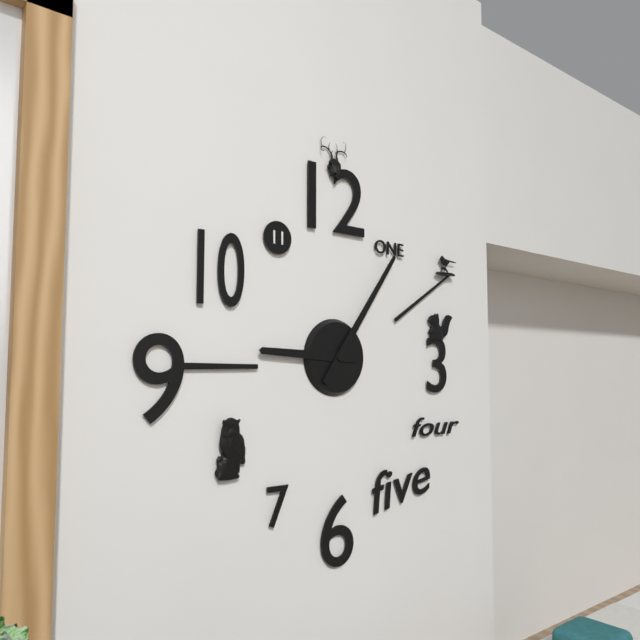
9:06
